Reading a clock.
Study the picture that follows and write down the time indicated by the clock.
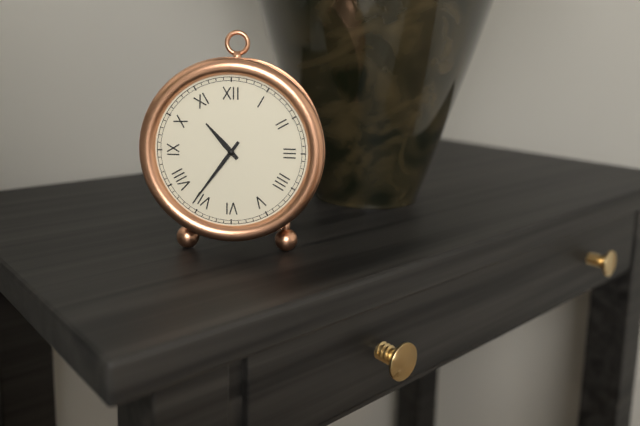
10:36
